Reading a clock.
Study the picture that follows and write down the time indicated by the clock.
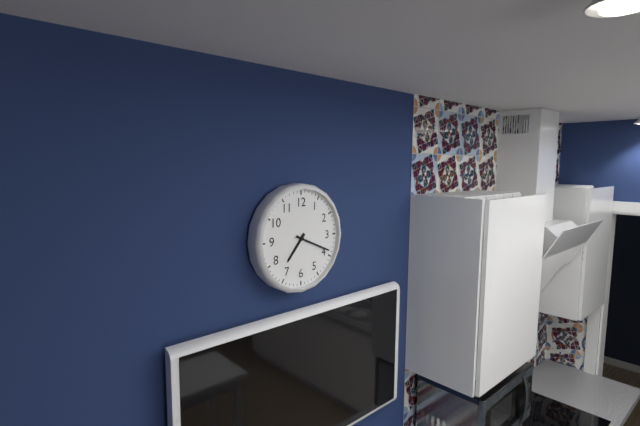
7:19
